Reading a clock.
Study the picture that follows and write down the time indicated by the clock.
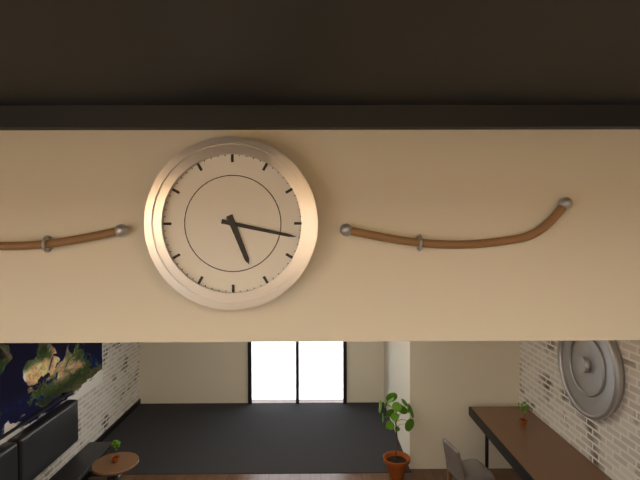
5:17
